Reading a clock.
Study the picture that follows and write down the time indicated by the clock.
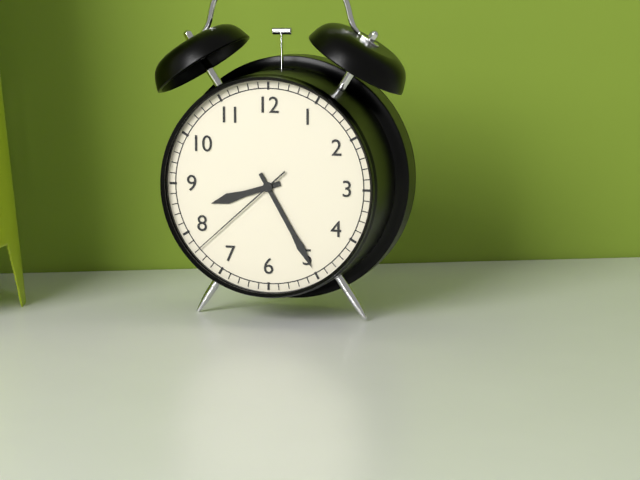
8:25:38
